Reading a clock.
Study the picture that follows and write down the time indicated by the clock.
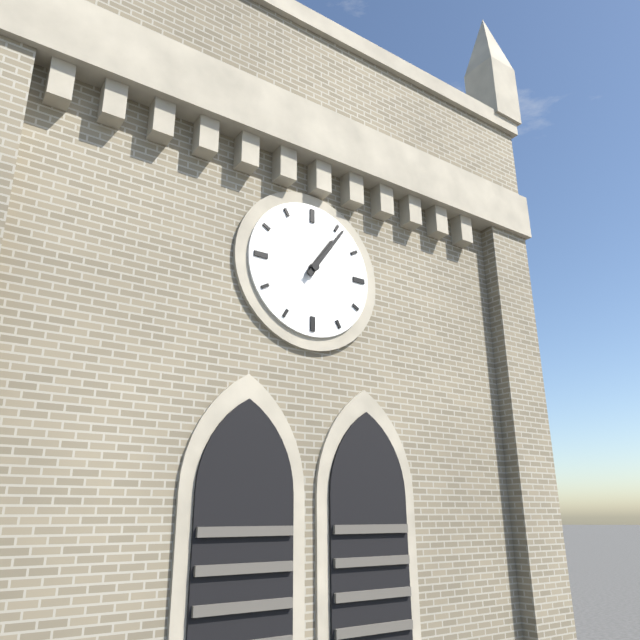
1:06
